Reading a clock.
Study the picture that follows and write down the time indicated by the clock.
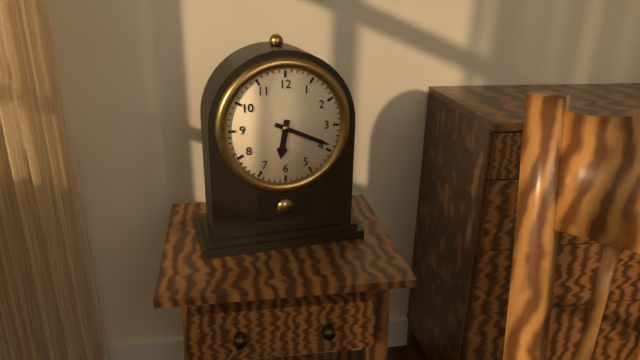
6:19
